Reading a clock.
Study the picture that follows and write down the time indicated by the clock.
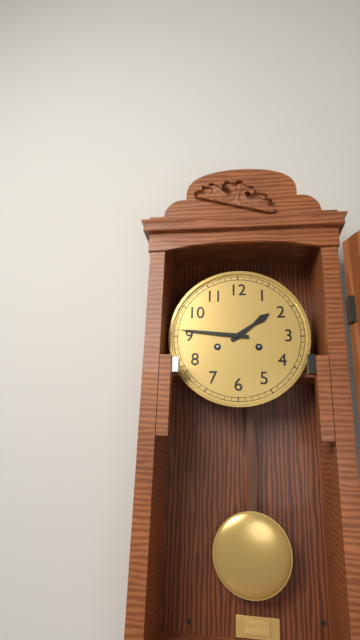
1:46
